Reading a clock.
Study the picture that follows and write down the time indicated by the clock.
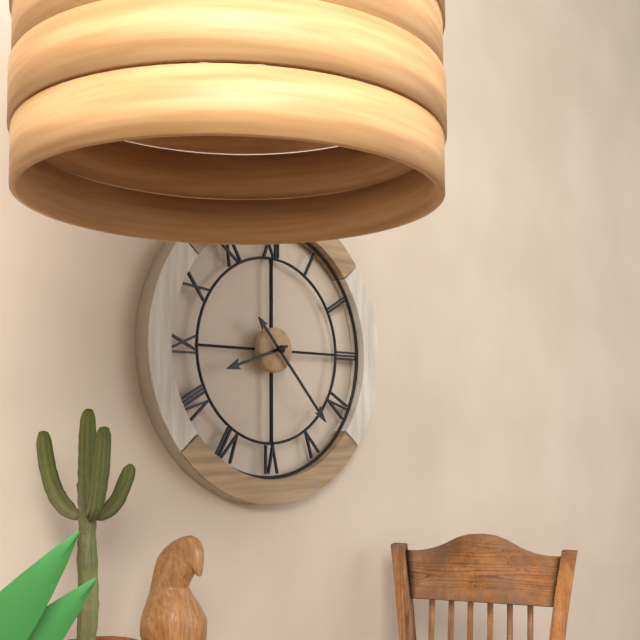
8:23
